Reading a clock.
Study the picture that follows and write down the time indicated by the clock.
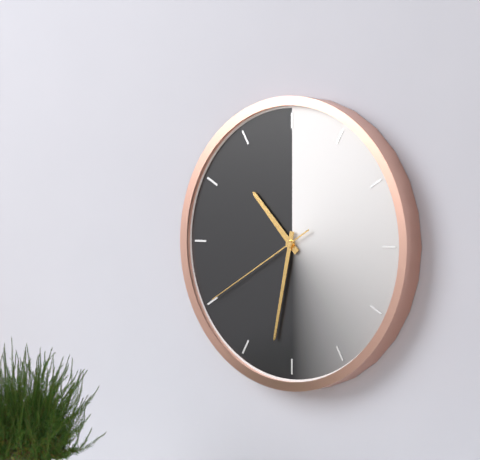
10:32:40
